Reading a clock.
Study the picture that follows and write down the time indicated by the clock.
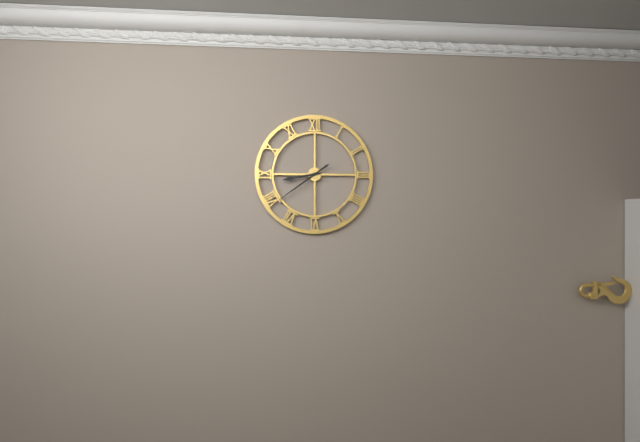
8:39
